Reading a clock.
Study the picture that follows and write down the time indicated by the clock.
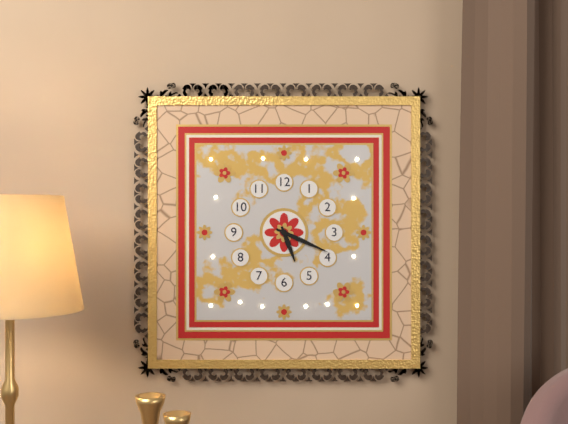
5:19
